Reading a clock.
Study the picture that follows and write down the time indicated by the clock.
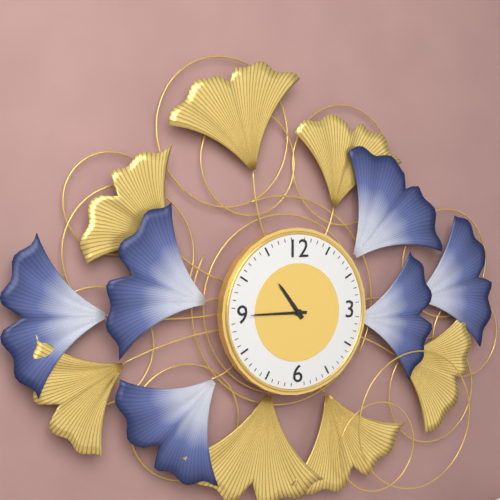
10:45
